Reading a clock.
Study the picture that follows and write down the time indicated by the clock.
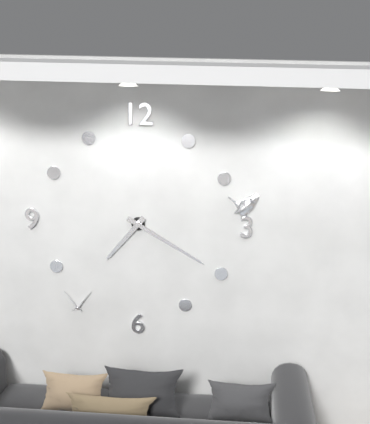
7:20
